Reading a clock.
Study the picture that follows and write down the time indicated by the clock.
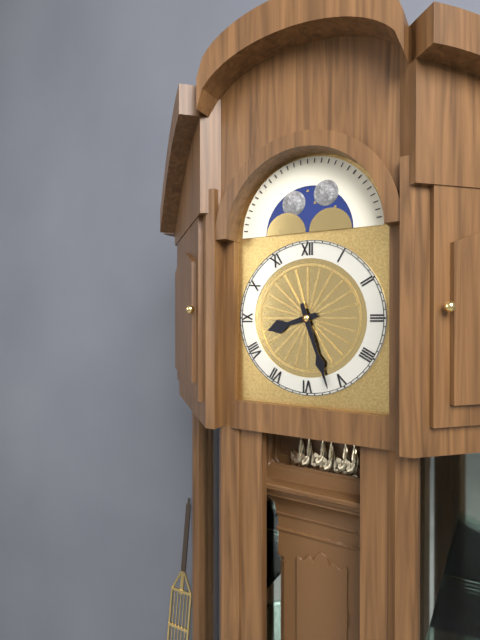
8:27
